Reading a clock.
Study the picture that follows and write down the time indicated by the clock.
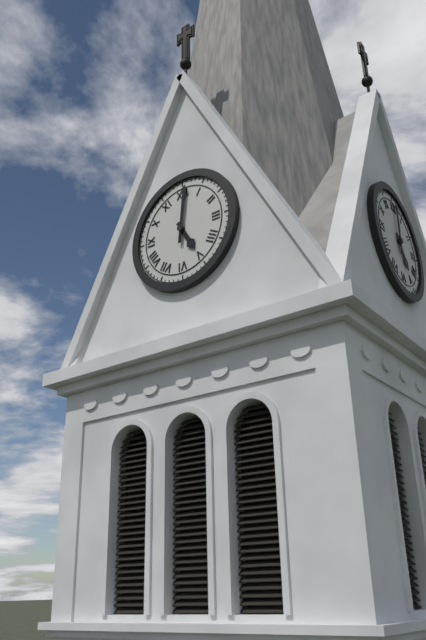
5:01
